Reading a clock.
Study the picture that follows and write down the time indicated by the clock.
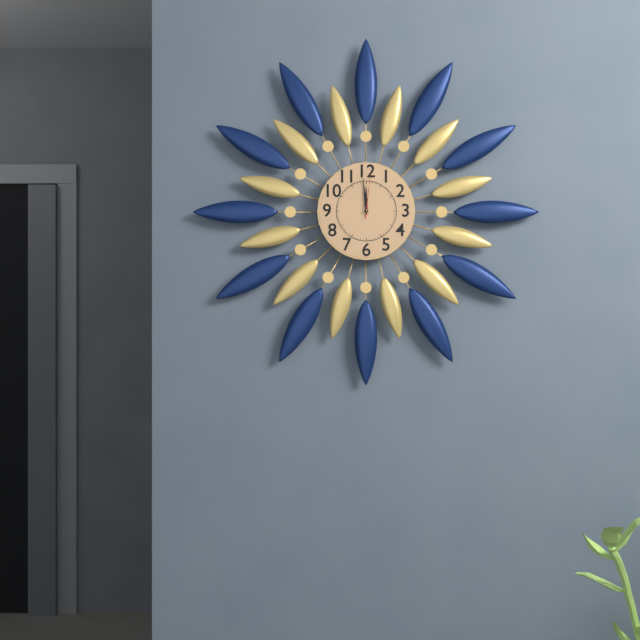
11:59:01
